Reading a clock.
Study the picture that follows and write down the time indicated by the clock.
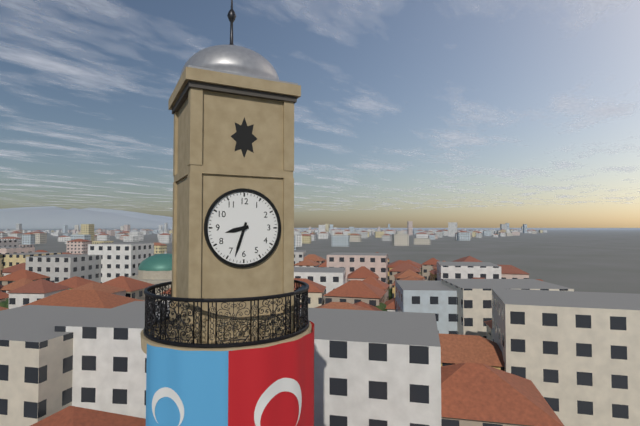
8:33
